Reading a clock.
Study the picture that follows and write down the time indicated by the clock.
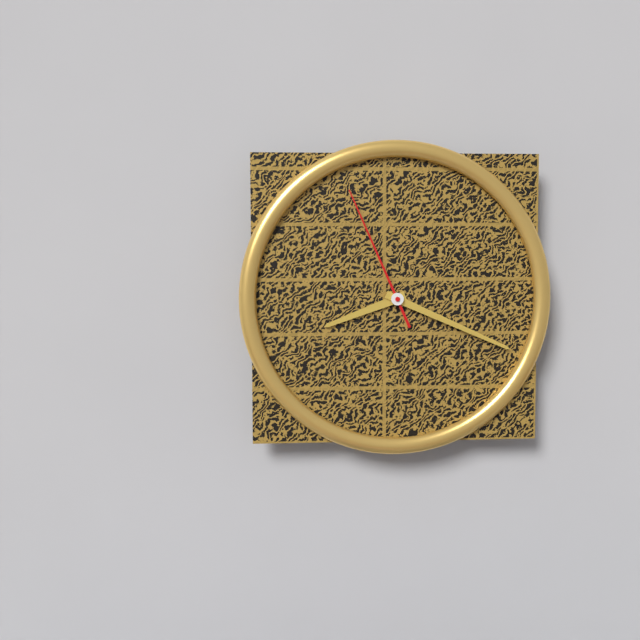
8:19:56
